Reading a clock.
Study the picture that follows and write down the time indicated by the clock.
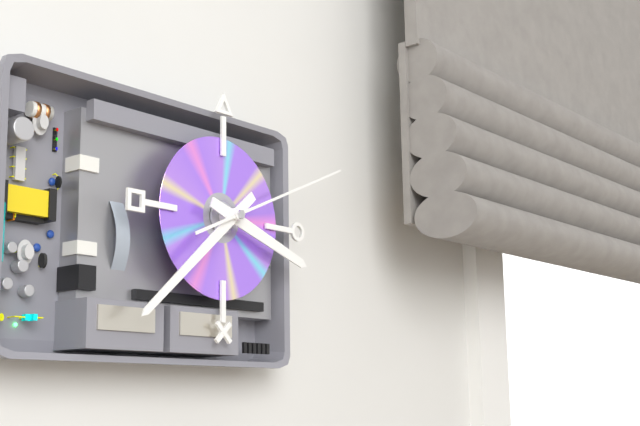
3:38:11
